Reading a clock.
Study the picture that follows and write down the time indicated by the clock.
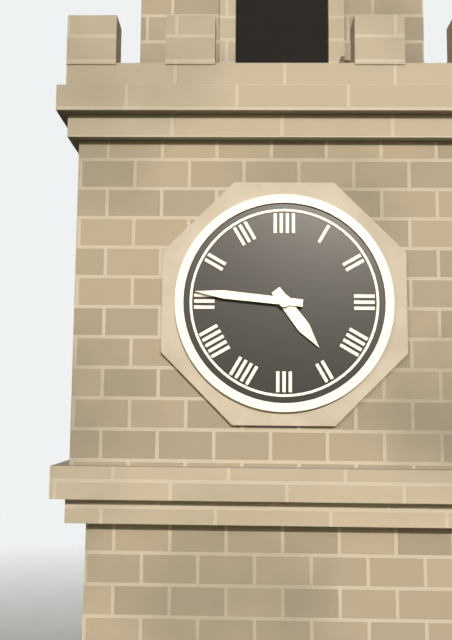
4:46
